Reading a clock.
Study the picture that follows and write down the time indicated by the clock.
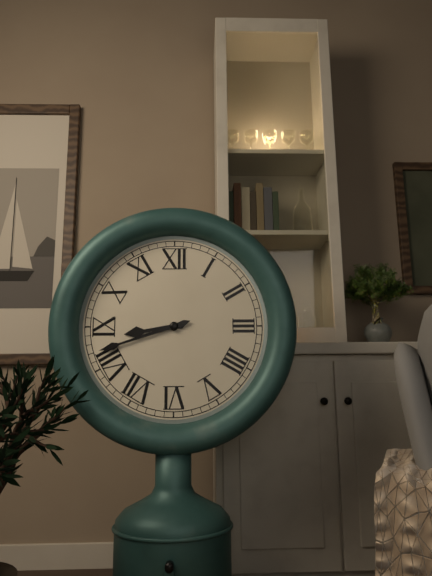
8:42
